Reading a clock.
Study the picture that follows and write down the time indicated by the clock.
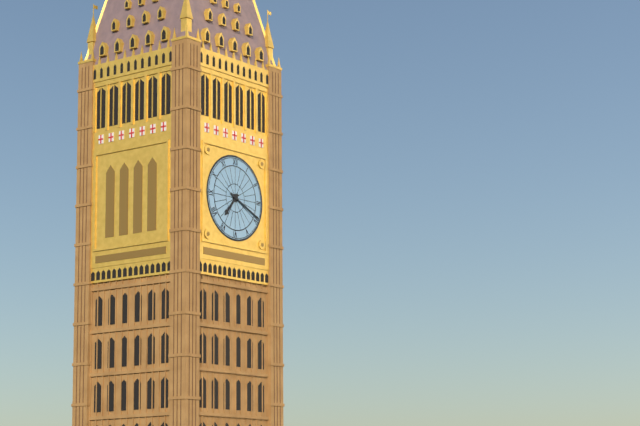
7:19
